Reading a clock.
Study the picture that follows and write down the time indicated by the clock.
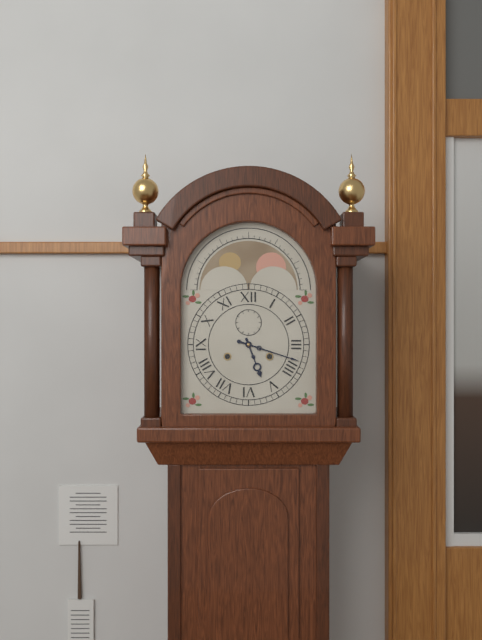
5:18
